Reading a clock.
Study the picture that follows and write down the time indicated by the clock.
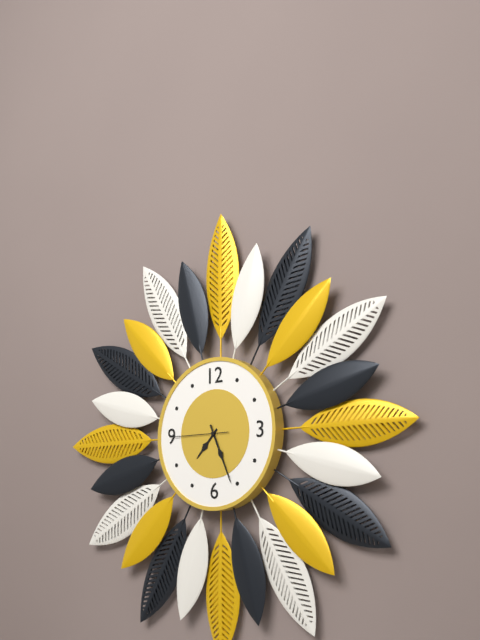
7:26:45
